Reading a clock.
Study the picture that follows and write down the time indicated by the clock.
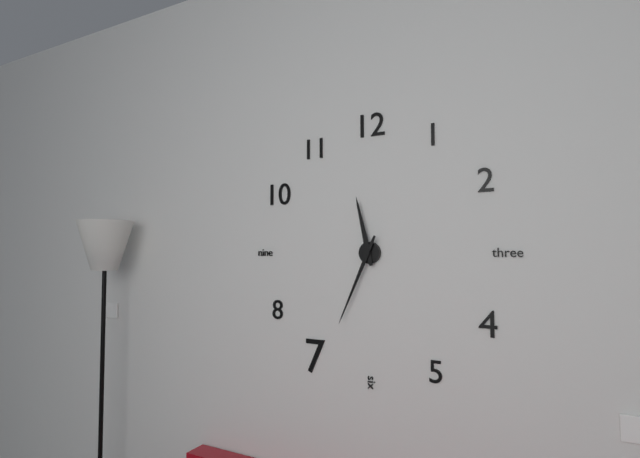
11:34
